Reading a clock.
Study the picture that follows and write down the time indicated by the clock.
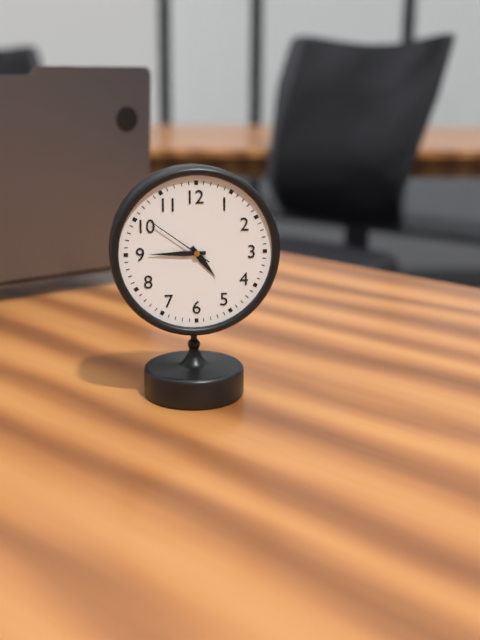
4:45:51
